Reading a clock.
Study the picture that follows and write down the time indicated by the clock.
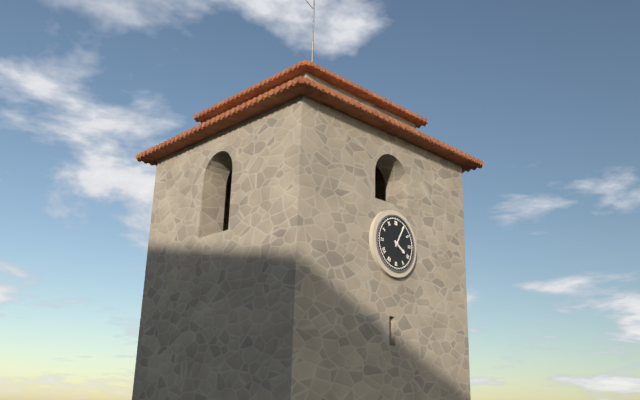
4:05
